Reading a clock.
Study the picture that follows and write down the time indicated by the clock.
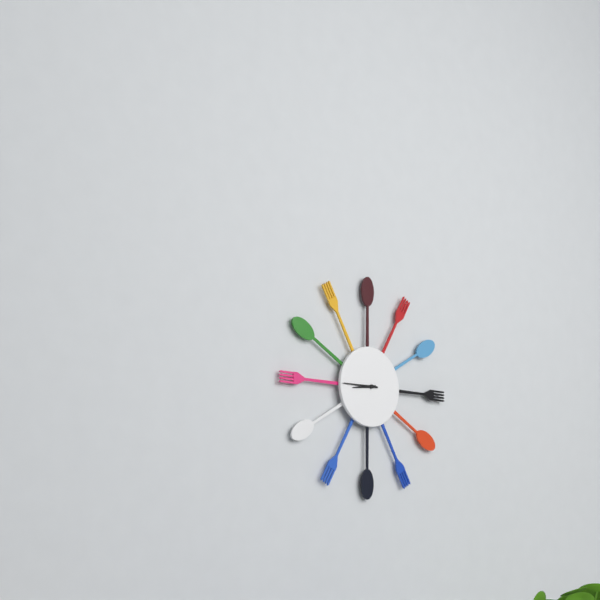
8:45
